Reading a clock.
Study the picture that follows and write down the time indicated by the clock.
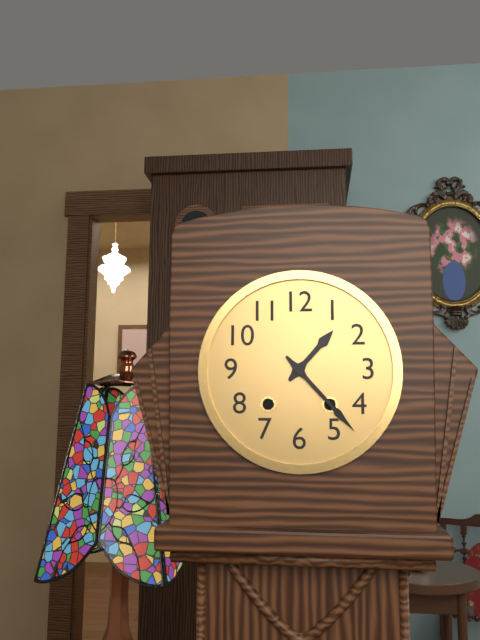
1:23
